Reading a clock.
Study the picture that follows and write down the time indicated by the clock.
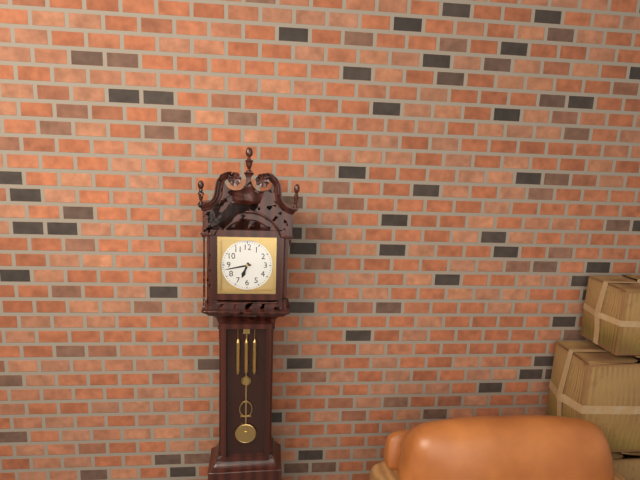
6:43
